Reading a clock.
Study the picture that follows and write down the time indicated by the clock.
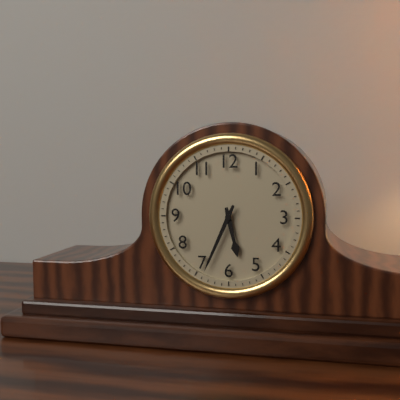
5:34
